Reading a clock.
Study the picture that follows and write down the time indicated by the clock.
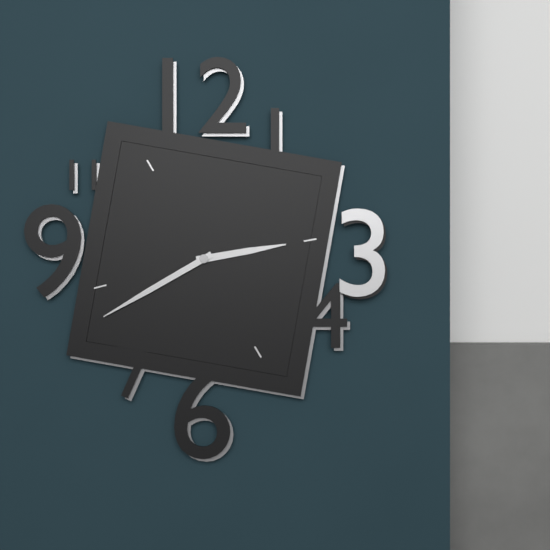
2:40
